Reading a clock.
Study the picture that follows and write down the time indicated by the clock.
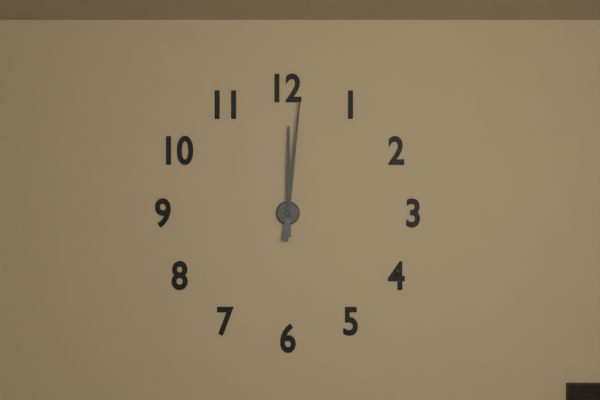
12:01
